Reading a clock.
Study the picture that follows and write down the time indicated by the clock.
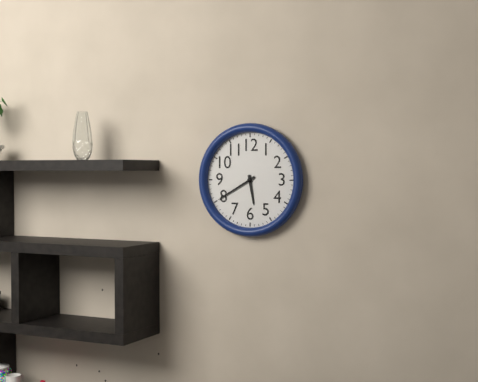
5:40
